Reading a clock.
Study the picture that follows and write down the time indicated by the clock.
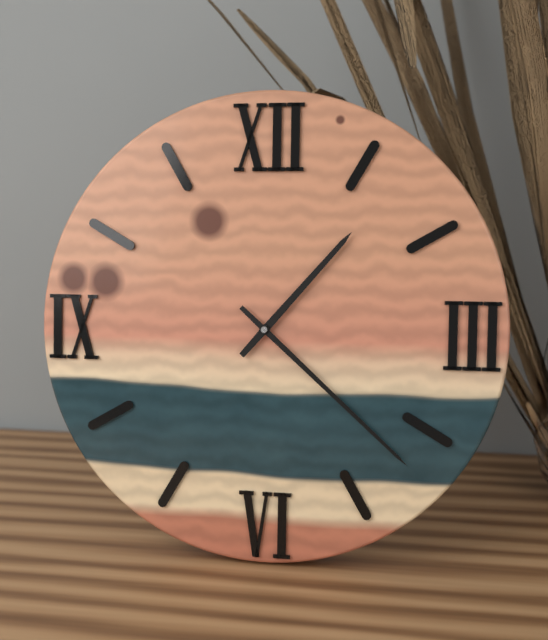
1:22
